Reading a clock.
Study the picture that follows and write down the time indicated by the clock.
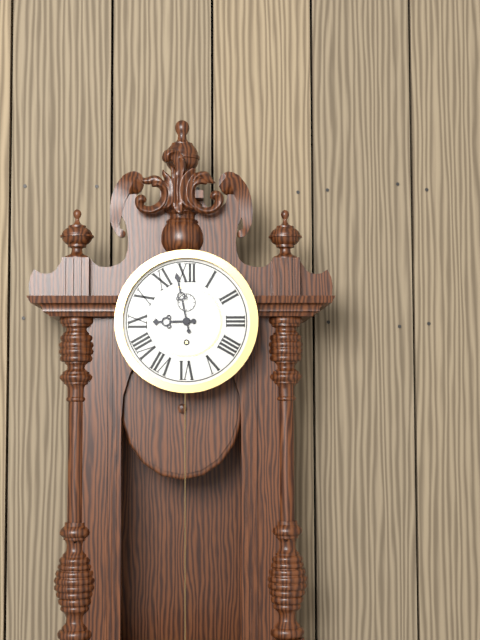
8:58
